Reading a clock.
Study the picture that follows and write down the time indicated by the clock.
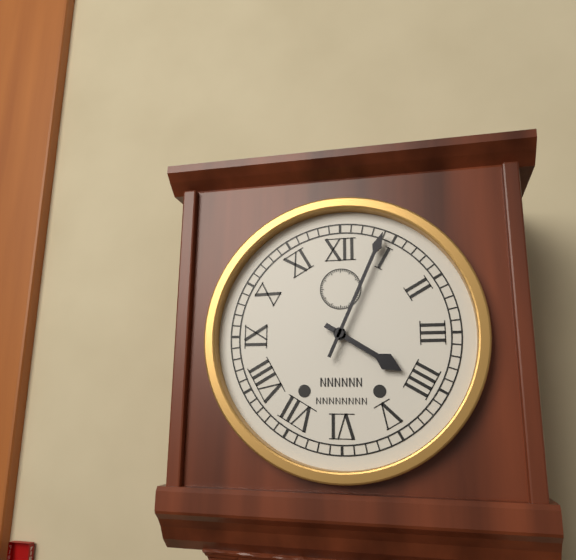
4:04
